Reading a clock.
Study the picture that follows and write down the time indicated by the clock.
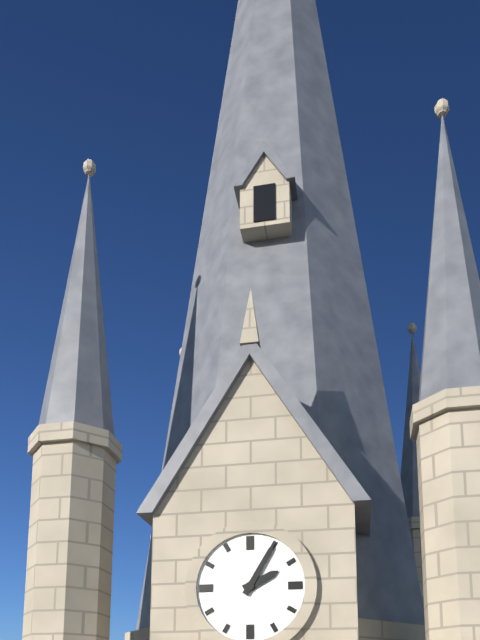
2:05
